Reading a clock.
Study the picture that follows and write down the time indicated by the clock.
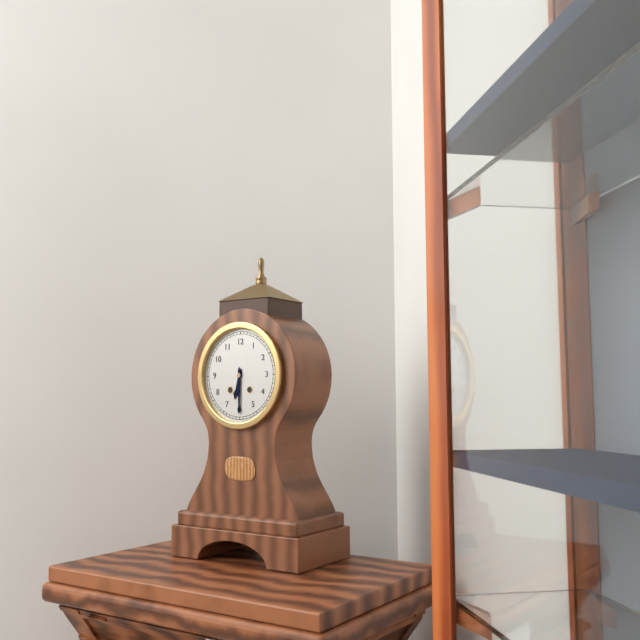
6:30
